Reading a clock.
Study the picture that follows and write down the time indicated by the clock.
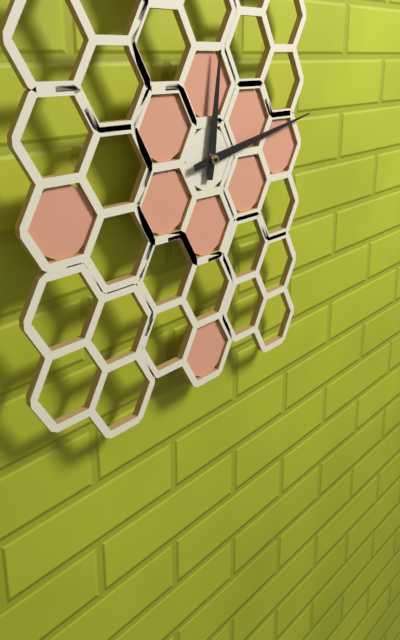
12:13
